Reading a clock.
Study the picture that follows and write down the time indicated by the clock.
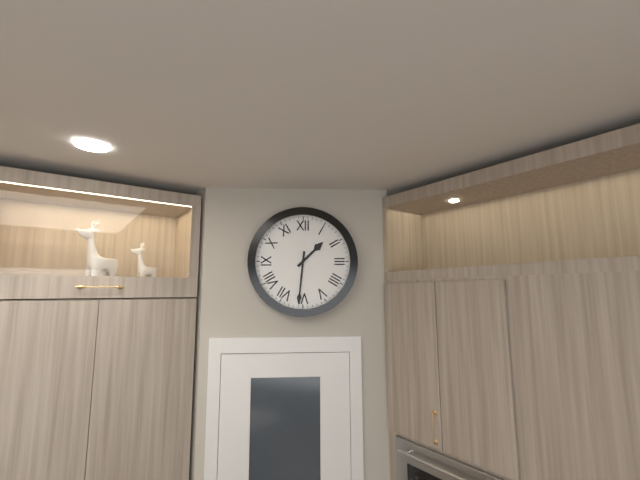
1:31
